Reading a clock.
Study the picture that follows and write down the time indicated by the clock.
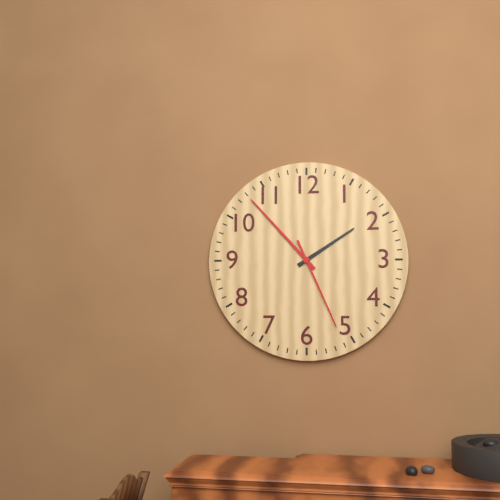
1:53:26
